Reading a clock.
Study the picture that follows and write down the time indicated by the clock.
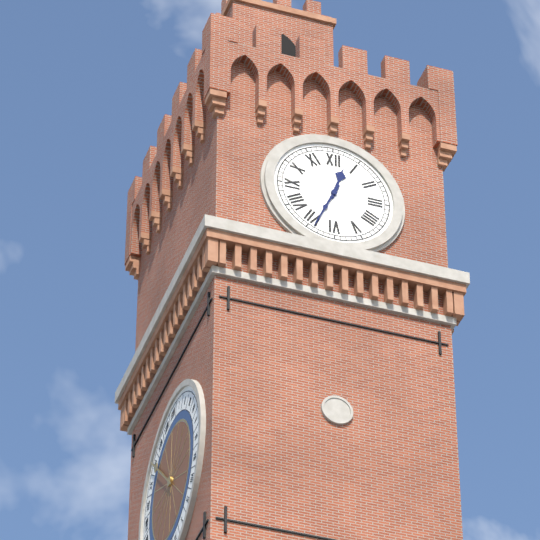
12:34
